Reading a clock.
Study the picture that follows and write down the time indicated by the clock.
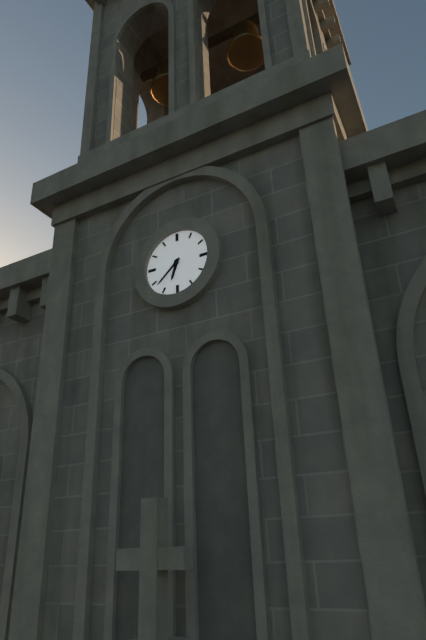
6:38
